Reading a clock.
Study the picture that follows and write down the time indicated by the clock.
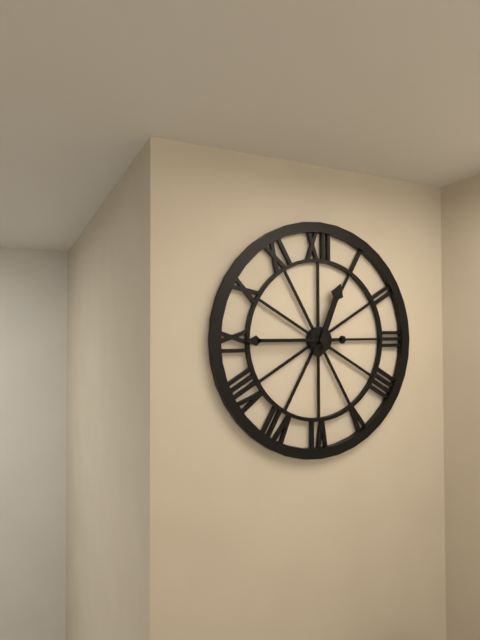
12:45
